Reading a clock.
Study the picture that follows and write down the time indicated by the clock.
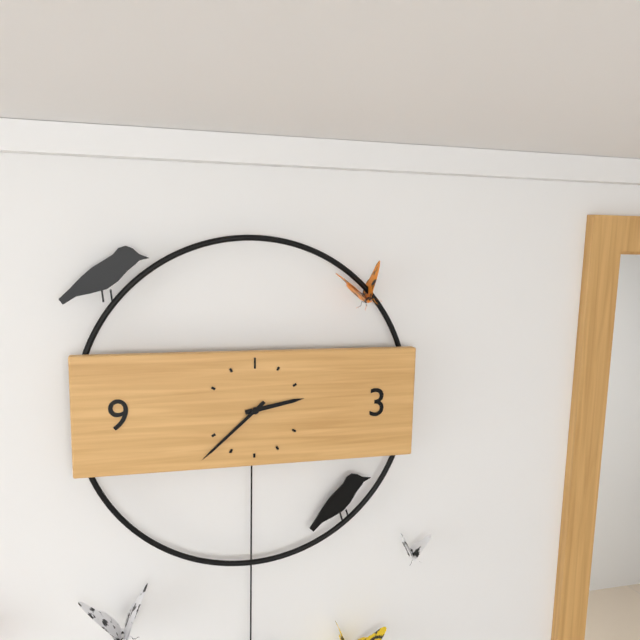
2:38
